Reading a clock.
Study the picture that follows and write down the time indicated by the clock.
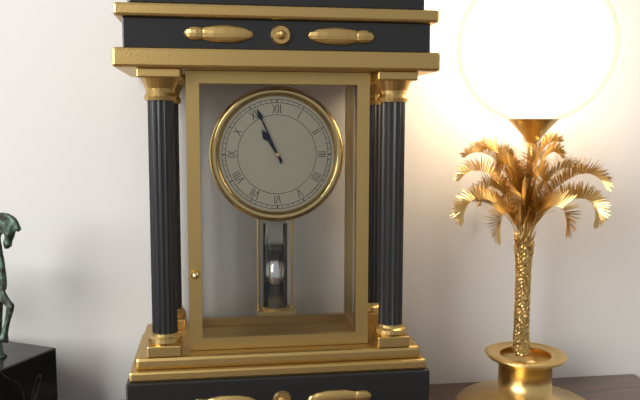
10:56
